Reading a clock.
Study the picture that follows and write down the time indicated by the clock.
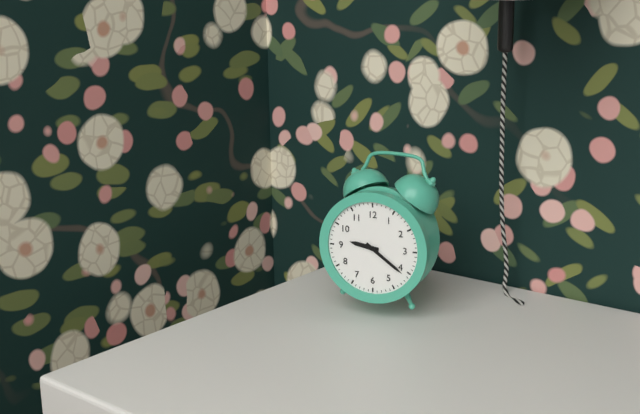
9:21
